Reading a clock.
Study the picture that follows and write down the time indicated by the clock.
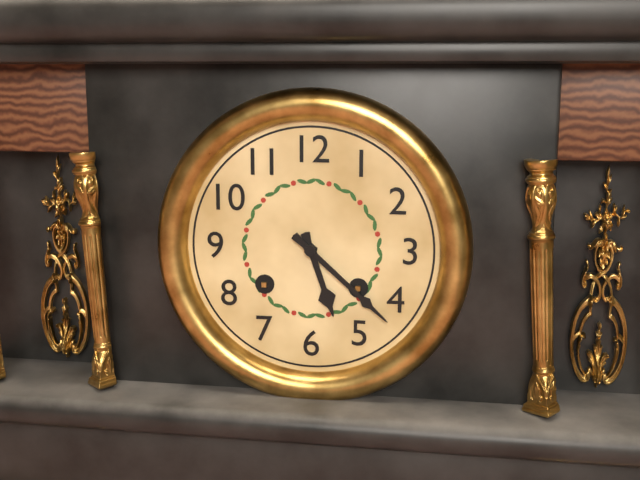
5:22
